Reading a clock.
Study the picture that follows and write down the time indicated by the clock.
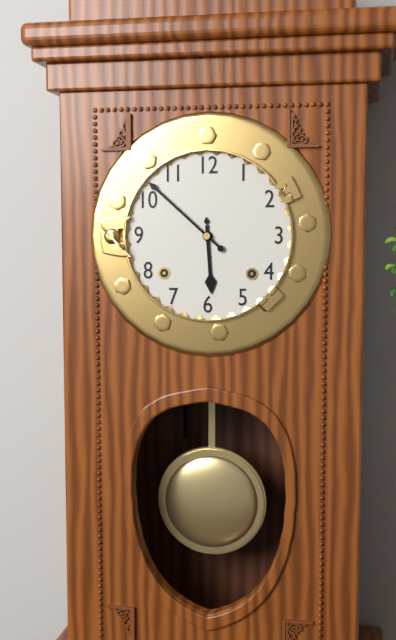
5:52
